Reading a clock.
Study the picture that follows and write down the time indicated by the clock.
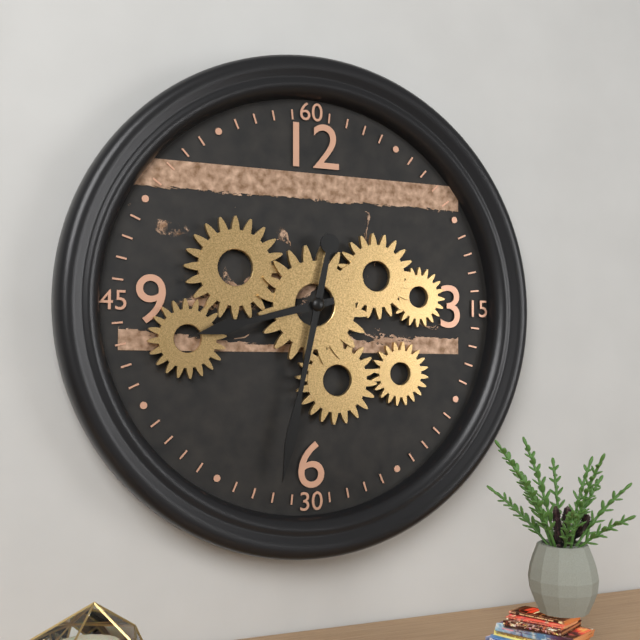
8:32
